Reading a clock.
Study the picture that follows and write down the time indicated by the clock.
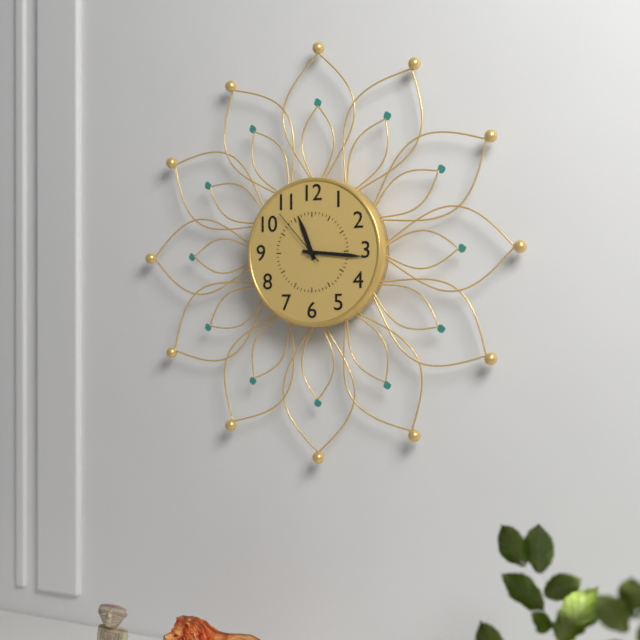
11:16:53
